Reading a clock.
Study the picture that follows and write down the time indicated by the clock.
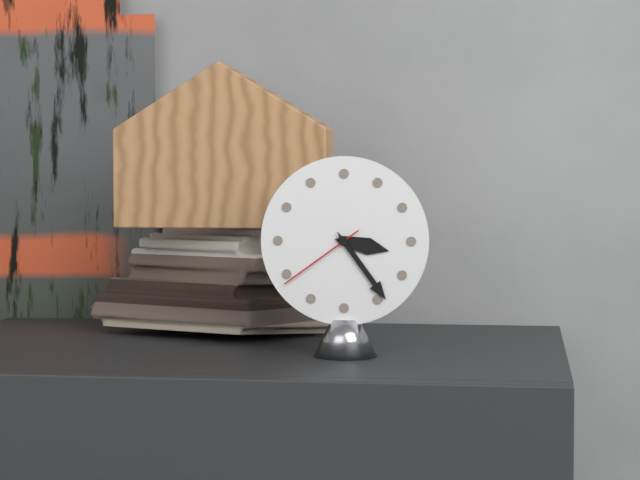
3:24:39
